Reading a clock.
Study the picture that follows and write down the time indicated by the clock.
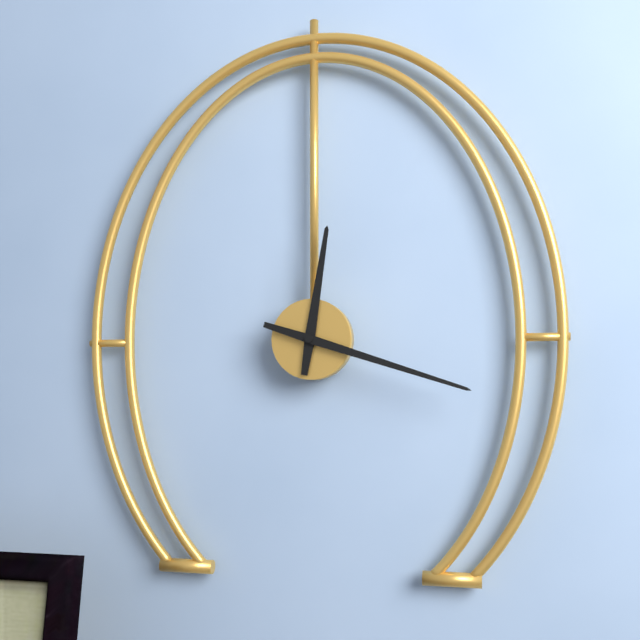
12:18
